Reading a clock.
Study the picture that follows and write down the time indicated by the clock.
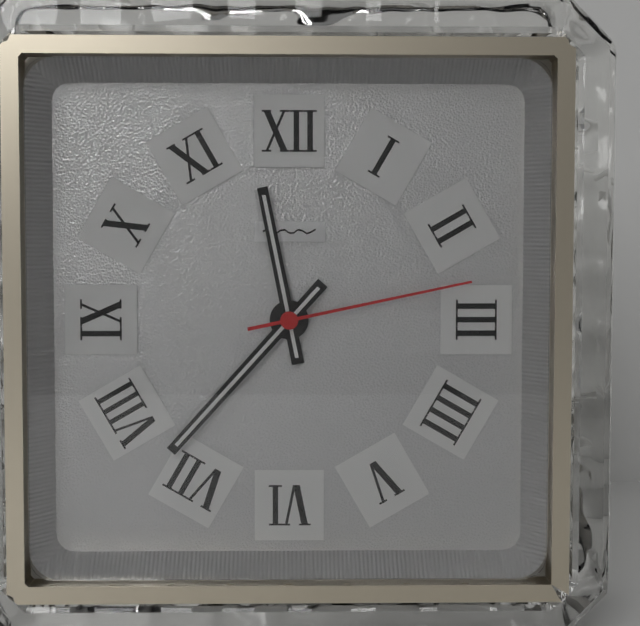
11:37:13
